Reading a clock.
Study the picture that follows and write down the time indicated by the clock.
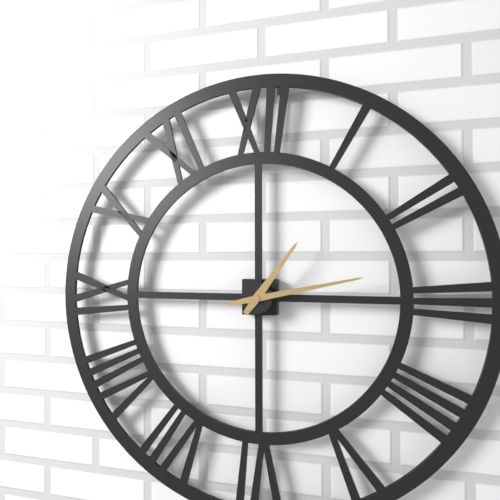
1:13
